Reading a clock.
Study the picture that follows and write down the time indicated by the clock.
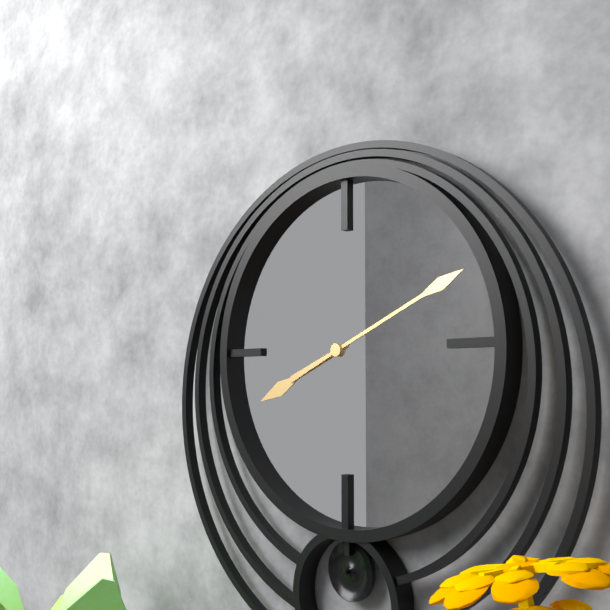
8:11
